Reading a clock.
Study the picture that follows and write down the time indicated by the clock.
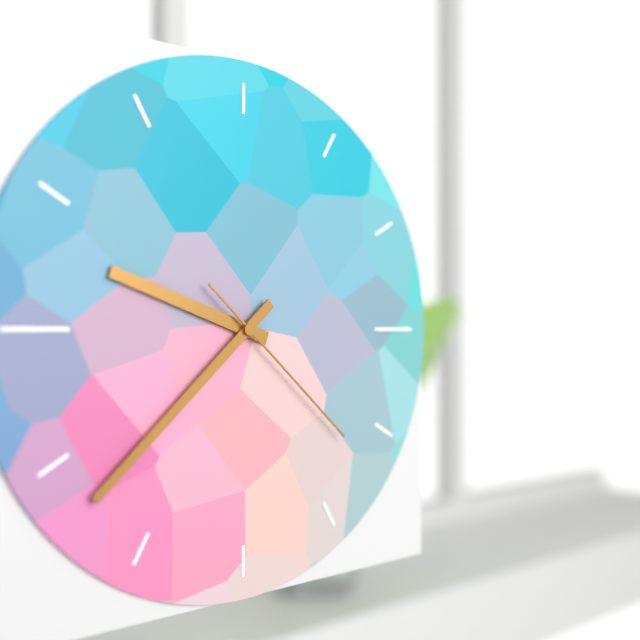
9:38:22
